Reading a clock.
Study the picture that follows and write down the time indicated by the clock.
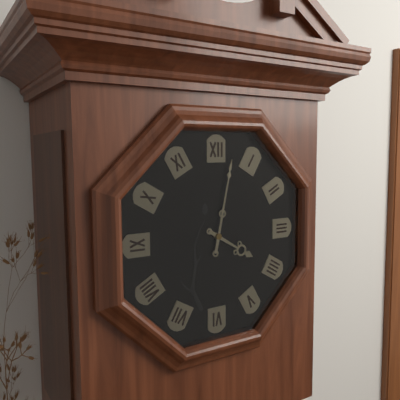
4:02
